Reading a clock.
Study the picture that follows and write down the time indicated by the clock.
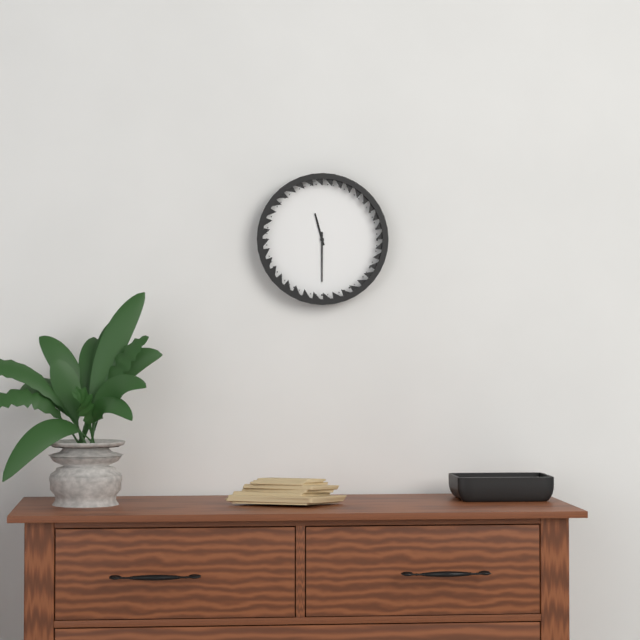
11:30
